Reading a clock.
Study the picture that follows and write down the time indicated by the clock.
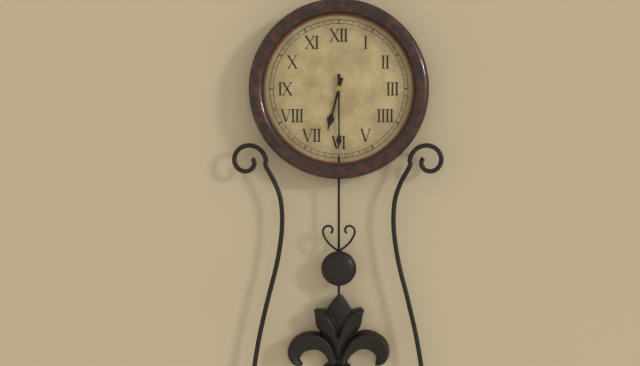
6:30
